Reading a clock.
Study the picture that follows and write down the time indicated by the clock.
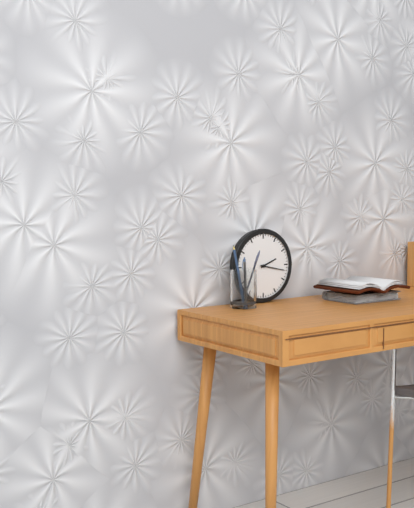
2:17
